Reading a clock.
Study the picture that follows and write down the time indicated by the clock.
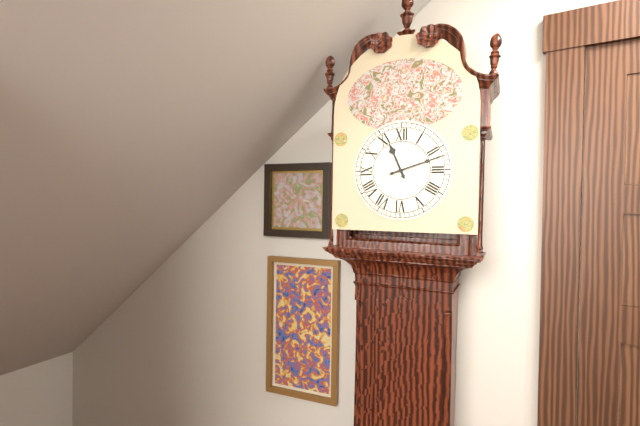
11:12
